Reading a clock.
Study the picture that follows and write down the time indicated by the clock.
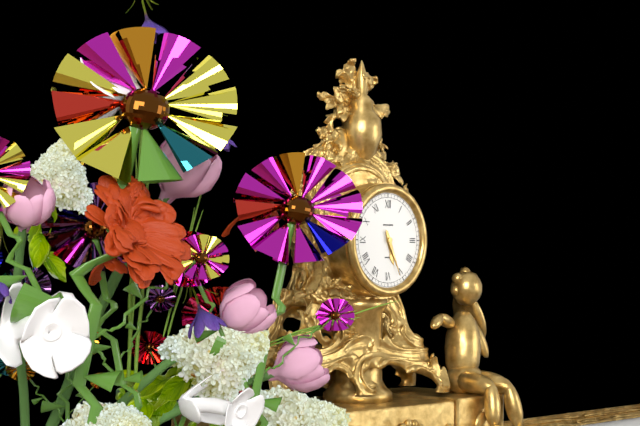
5:26
